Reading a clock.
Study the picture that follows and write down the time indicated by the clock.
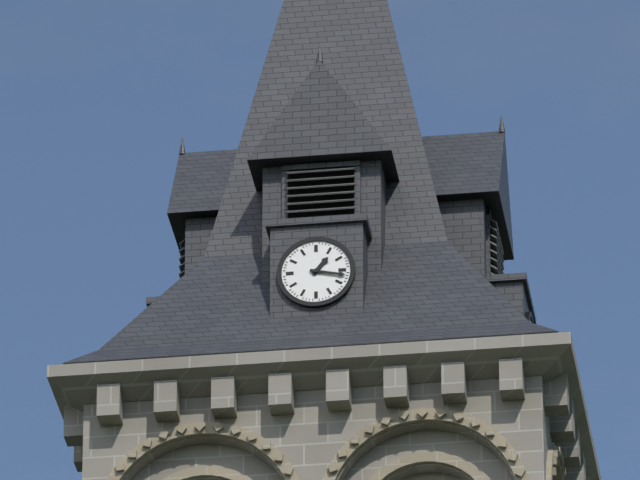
1:17
